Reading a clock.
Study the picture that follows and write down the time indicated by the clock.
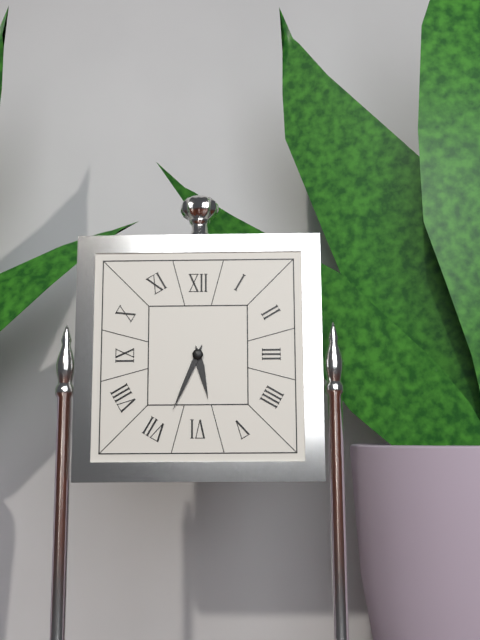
5:34
